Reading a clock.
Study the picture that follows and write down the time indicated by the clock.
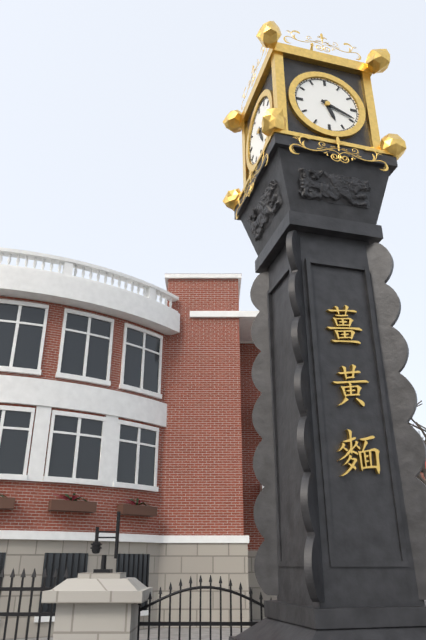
5:19
